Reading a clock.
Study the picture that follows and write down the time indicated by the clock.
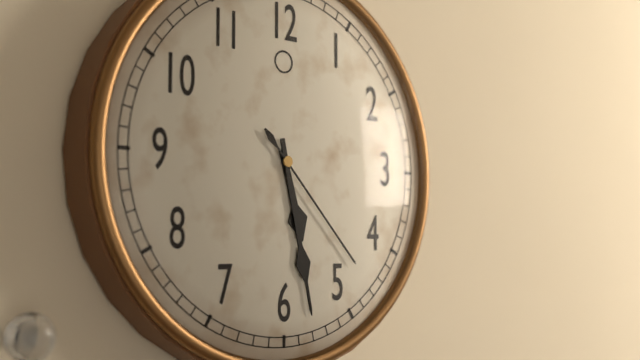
5:28:23
